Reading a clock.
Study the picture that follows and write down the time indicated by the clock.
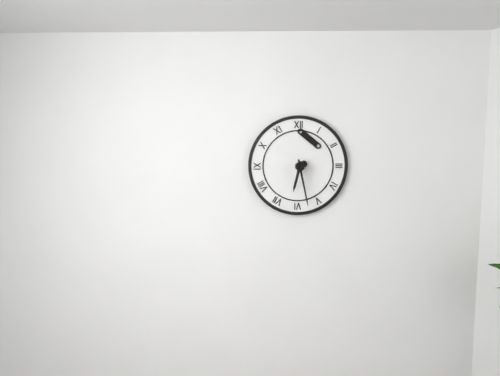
6:28
